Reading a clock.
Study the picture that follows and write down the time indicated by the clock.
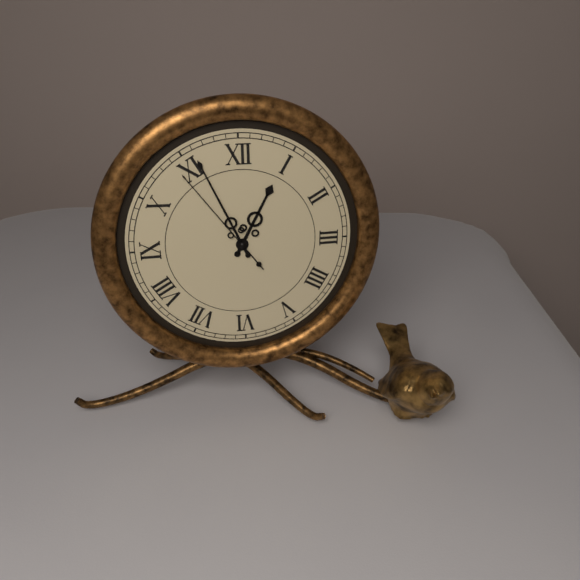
12:56:54
